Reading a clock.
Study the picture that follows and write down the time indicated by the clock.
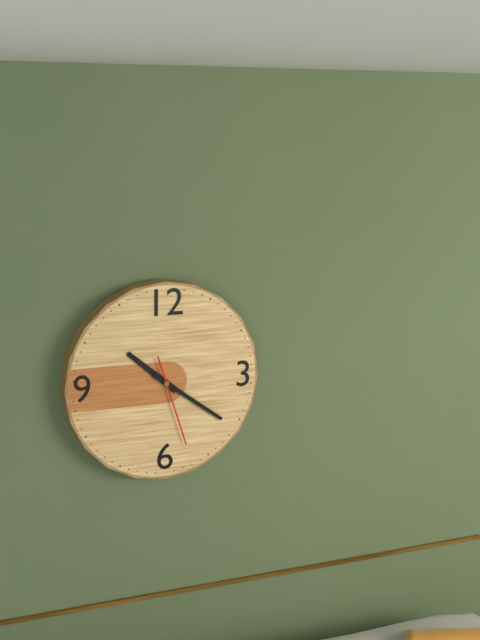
10:21:27
